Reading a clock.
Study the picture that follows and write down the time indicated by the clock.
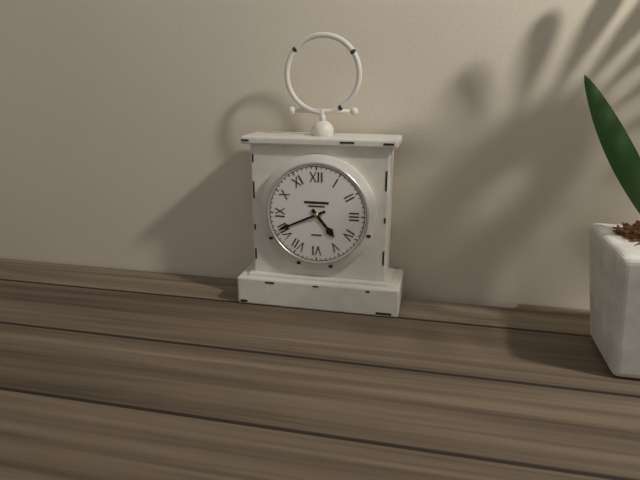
4:41
